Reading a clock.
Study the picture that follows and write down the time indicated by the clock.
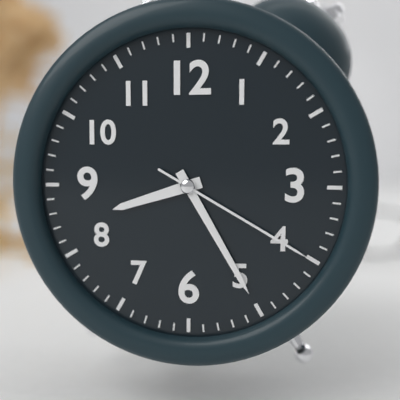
8:25:20
